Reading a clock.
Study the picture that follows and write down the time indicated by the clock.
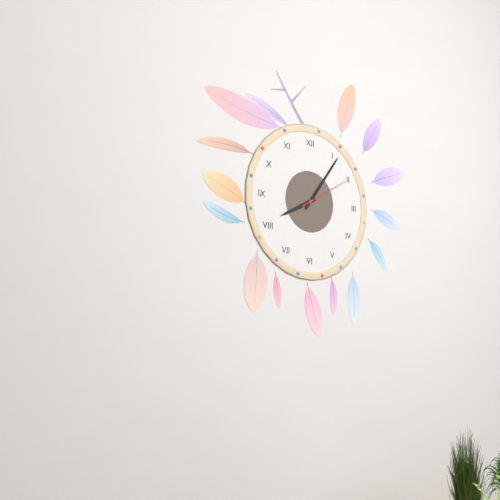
8:06:10
